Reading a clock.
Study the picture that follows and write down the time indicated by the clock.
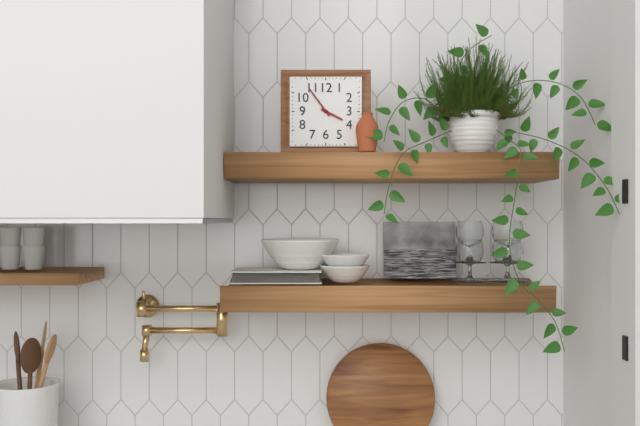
3:54
